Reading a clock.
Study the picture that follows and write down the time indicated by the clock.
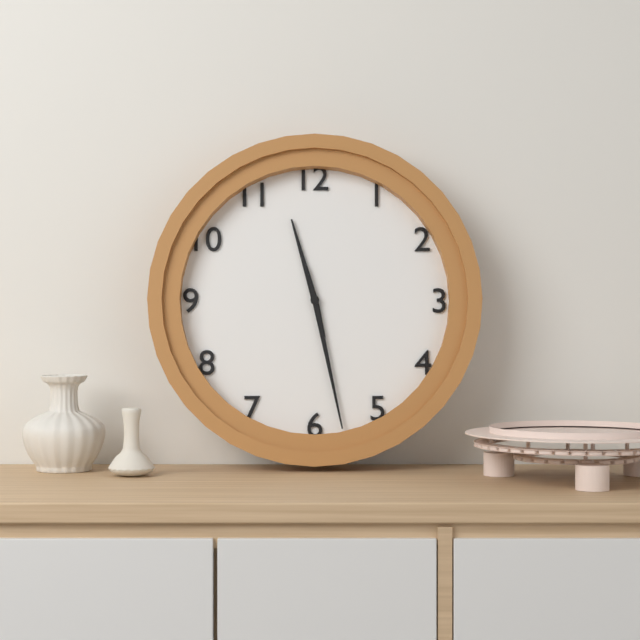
11:28
